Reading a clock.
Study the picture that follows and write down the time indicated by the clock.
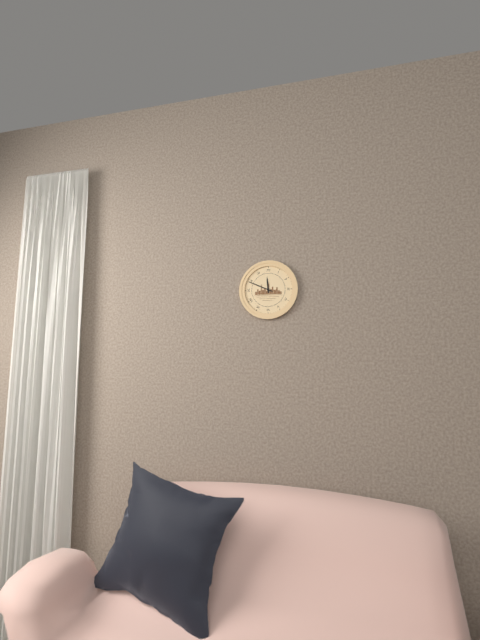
11:49
